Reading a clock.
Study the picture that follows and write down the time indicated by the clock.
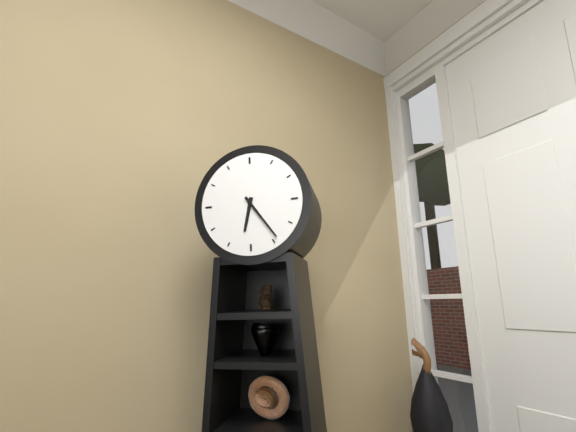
6:24
